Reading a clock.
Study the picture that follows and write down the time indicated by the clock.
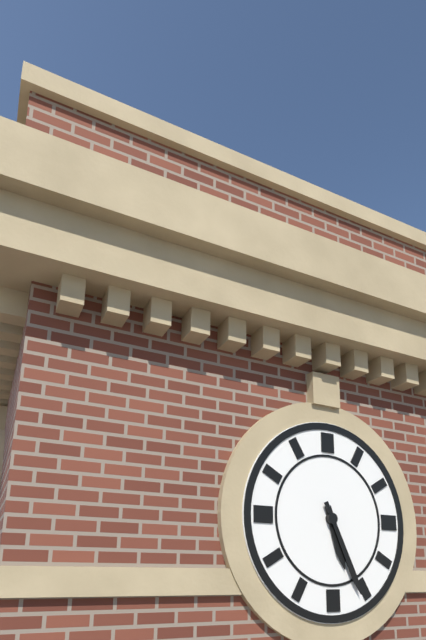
5:26
